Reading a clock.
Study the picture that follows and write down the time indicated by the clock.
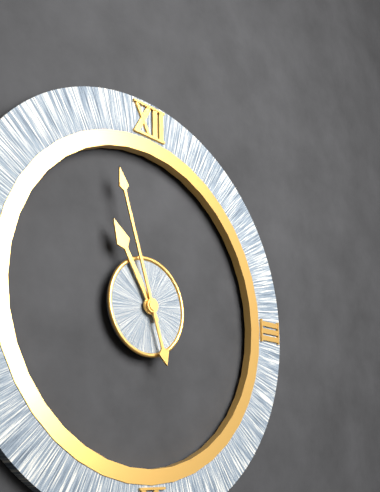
10:57
